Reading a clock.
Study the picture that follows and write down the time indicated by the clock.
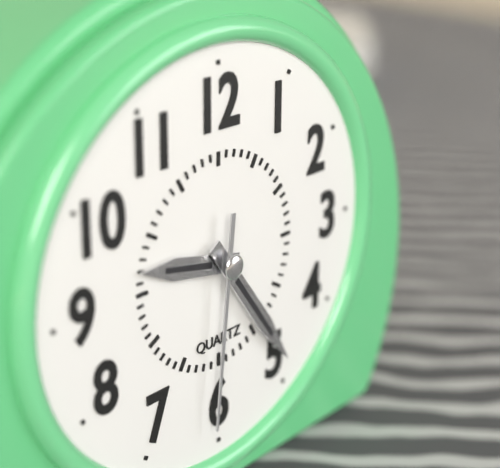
9:24:31
